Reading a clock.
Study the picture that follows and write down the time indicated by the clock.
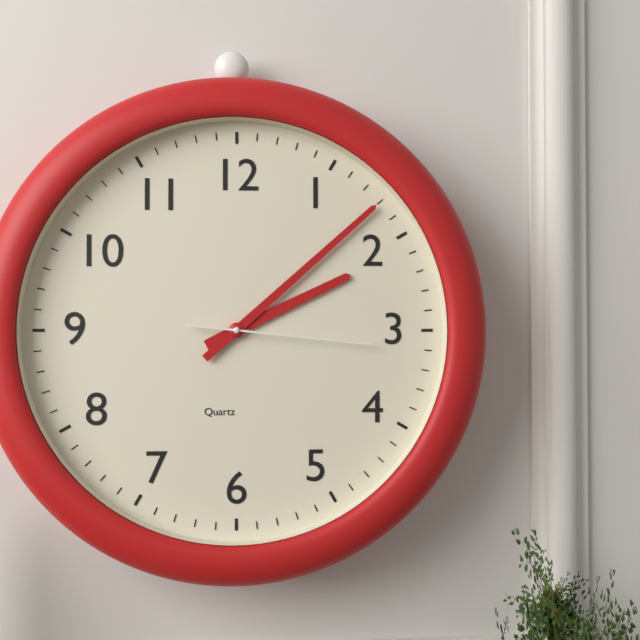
2:08:16
